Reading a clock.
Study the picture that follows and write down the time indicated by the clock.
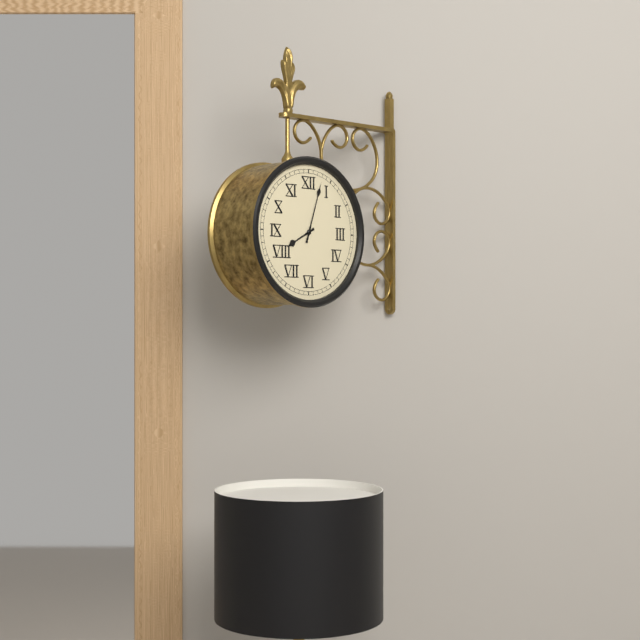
8:03
